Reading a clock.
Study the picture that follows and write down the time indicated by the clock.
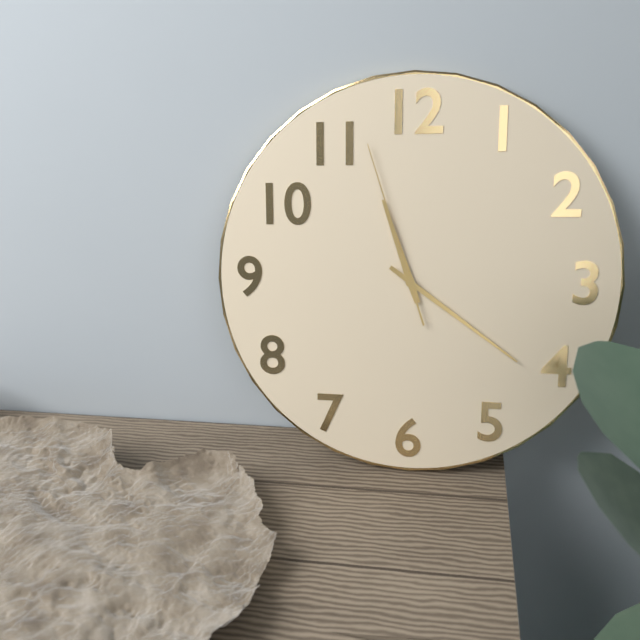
11:21:57
